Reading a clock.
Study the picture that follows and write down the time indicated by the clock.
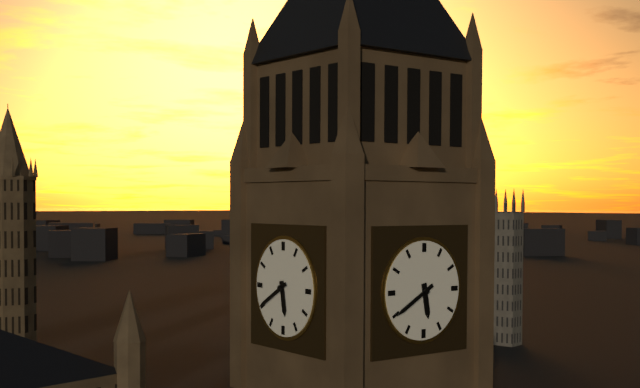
5:40
